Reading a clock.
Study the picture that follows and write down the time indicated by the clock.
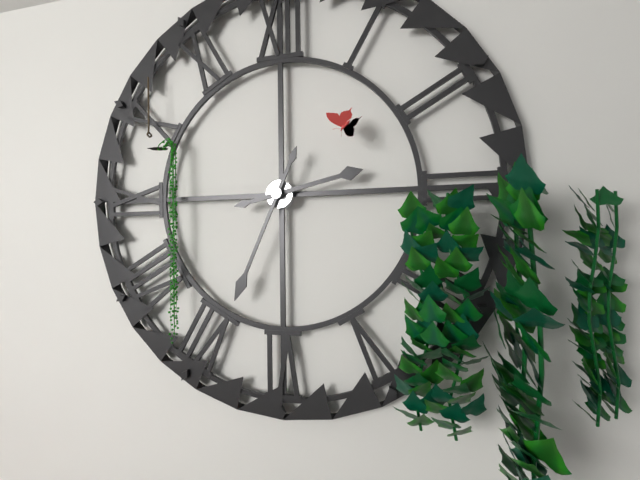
2:34
